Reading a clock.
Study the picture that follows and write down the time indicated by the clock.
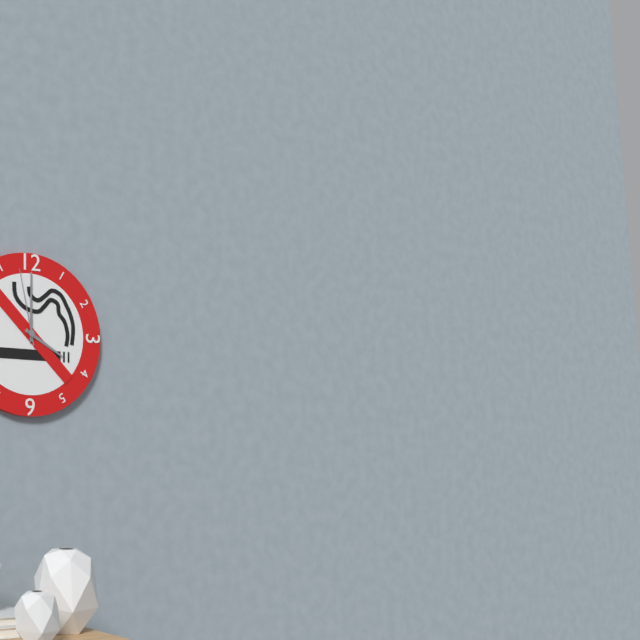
4:00:58
